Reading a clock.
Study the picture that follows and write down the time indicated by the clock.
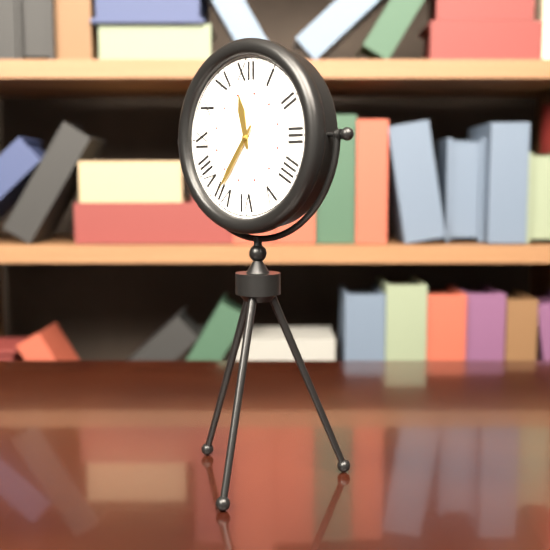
11:36
